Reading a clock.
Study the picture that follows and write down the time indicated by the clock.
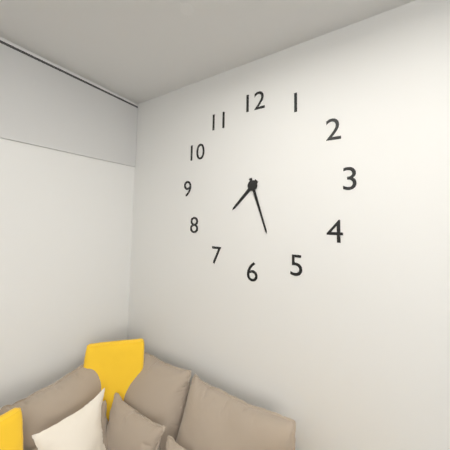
7:27
